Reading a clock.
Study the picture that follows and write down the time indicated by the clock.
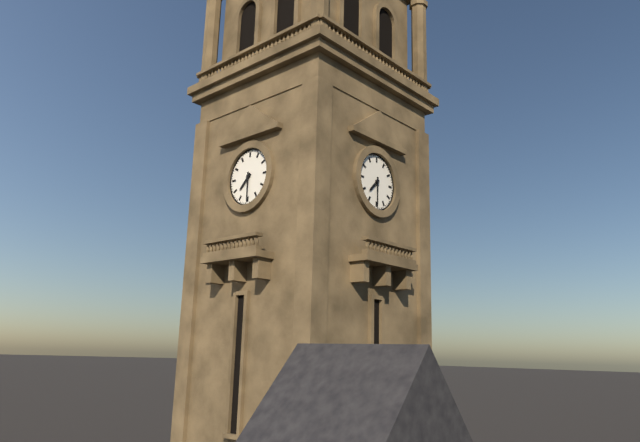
7:30
